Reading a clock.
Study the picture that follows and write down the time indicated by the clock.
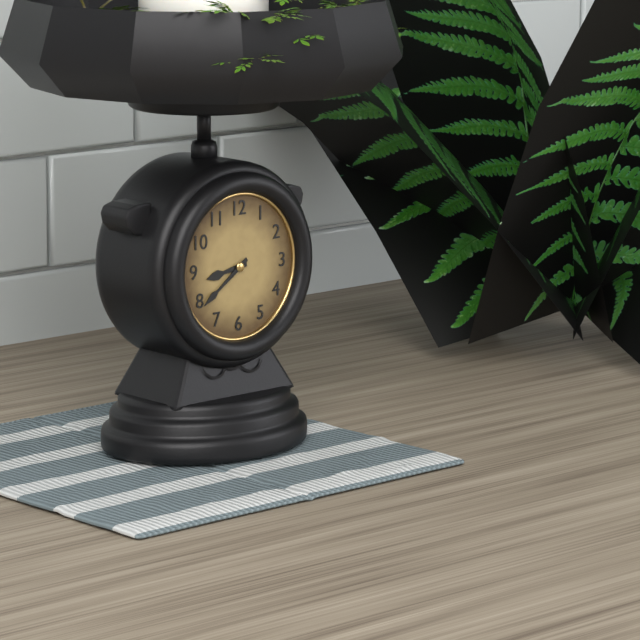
8:39
